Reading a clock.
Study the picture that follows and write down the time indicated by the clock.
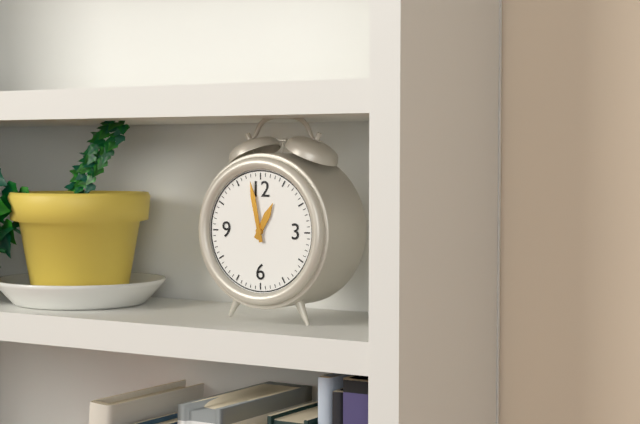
12:58
